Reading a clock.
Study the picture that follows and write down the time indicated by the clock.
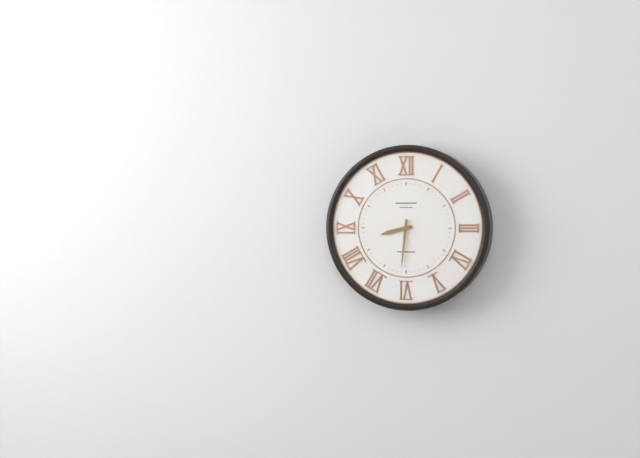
8:31
